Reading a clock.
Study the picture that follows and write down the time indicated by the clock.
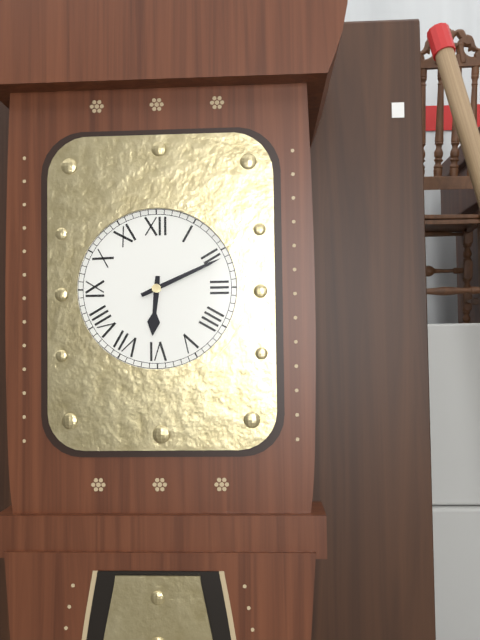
6:11
